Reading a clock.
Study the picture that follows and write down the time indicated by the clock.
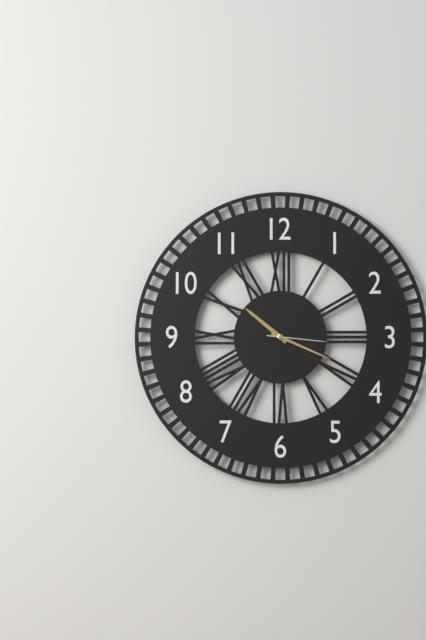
10:19:16
